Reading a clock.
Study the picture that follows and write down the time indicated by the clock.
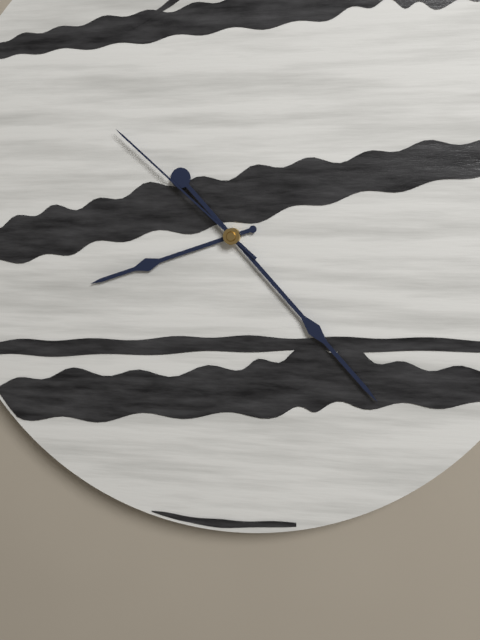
8:23:52
